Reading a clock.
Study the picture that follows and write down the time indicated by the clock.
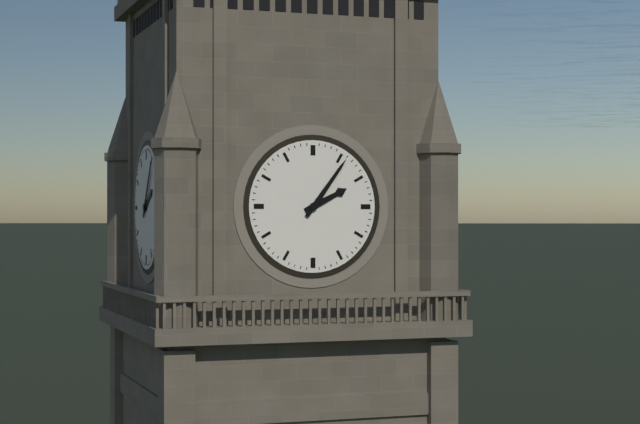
2:06
